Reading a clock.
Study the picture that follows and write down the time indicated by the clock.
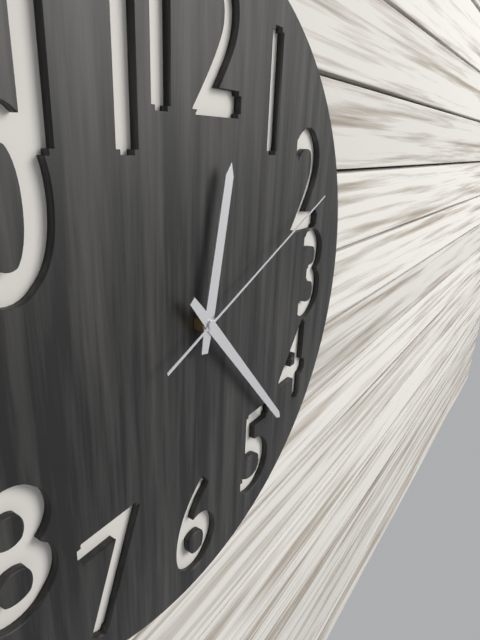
12:23:11
